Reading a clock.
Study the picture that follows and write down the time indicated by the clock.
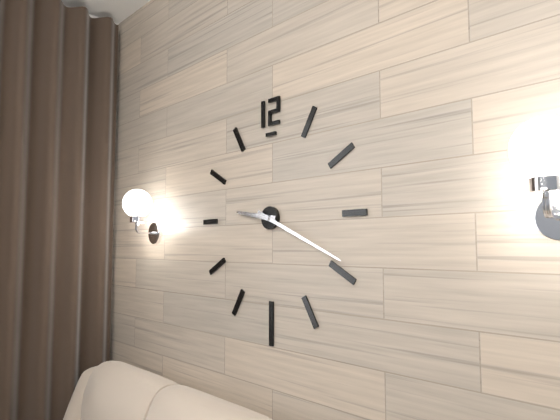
9:19
